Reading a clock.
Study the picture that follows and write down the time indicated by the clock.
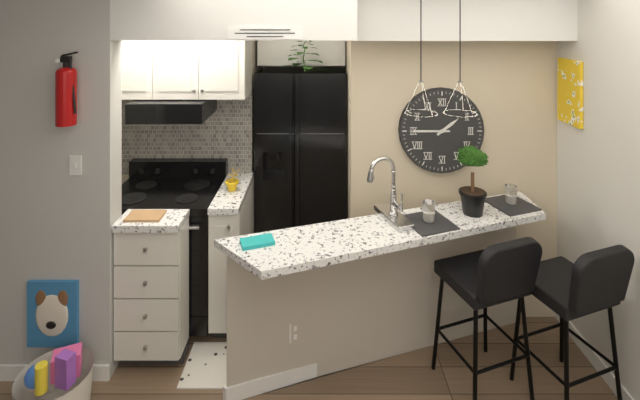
1:45
